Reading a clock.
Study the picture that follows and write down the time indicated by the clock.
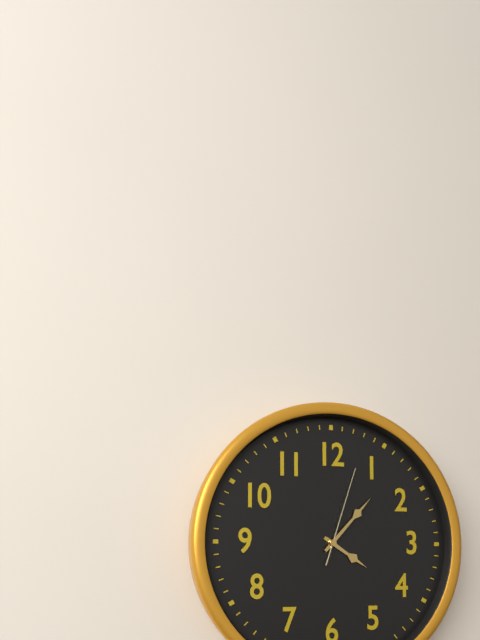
4:07:03
